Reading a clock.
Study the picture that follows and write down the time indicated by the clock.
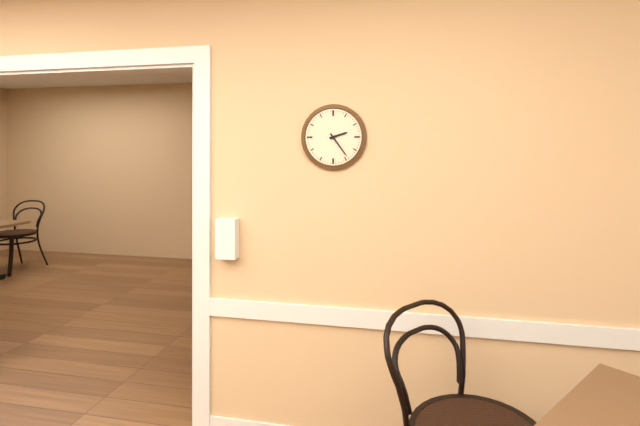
2:24
